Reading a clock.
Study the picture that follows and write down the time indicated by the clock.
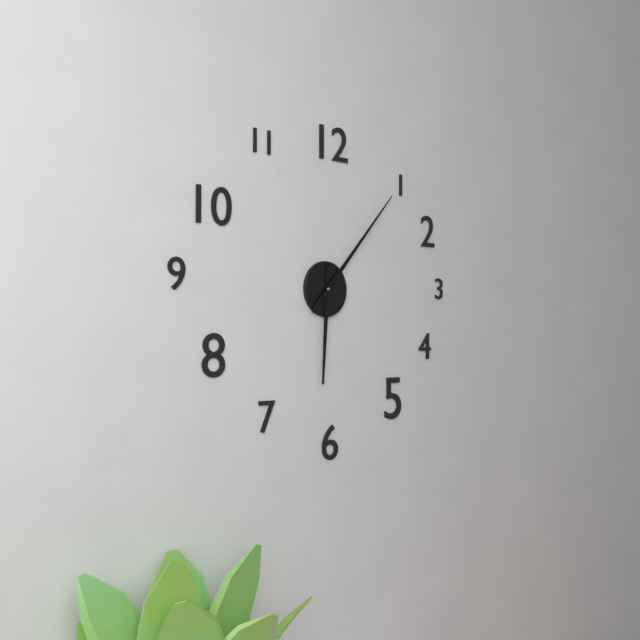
6:07
